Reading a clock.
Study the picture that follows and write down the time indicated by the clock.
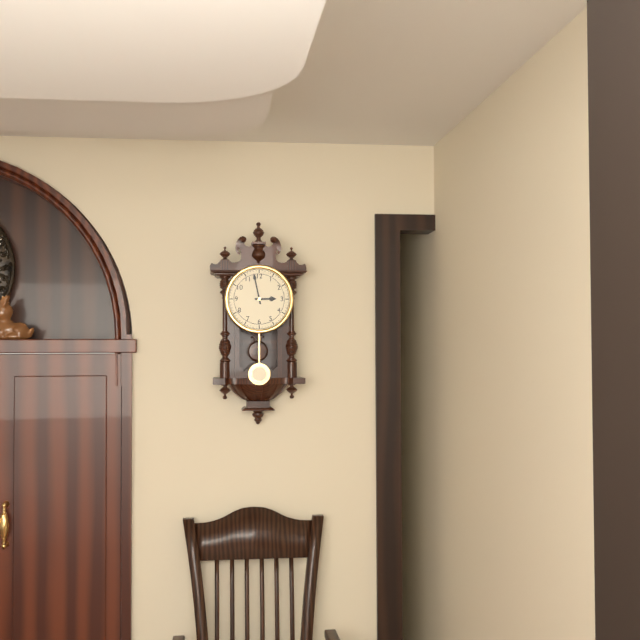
2:58
